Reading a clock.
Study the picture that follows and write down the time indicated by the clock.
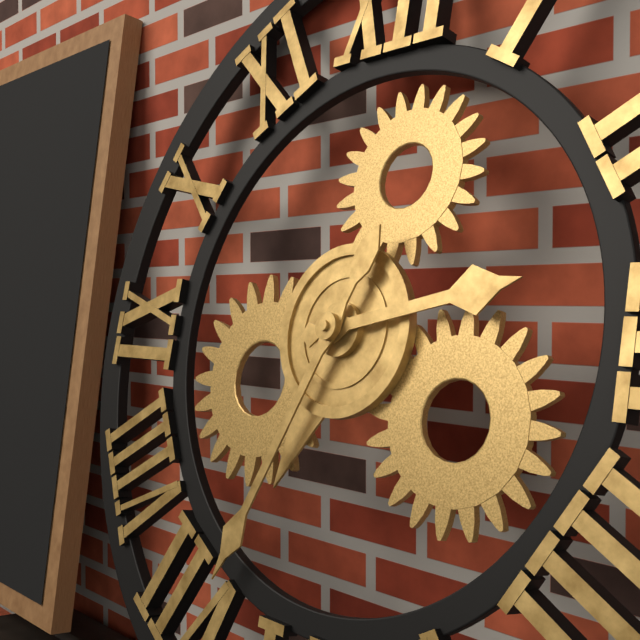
2:34
